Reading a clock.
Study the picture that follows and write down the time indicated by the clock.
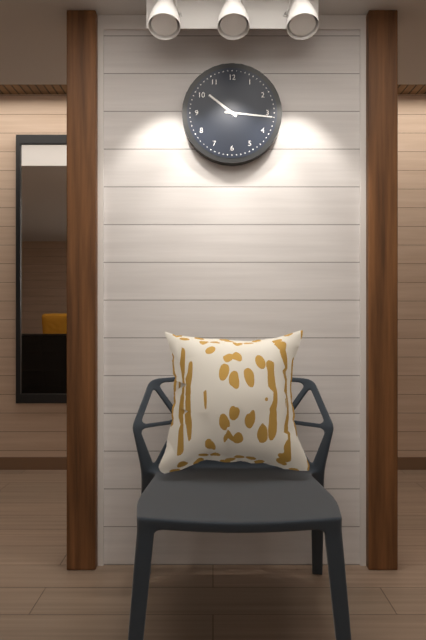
10:16
